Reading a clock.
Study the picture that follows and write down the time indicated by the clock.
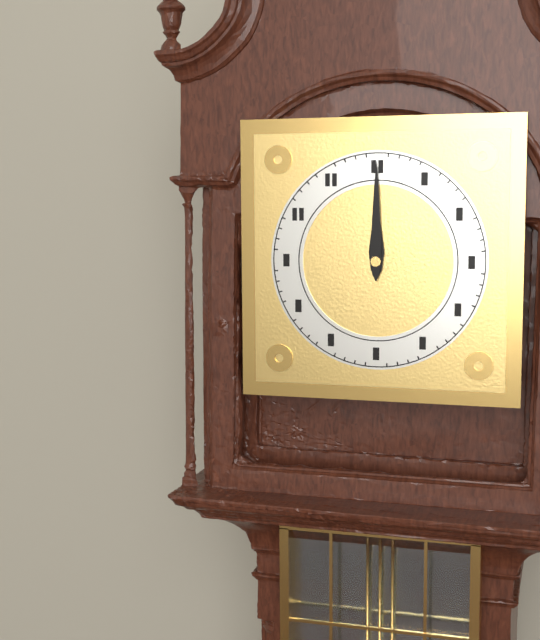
12:00
